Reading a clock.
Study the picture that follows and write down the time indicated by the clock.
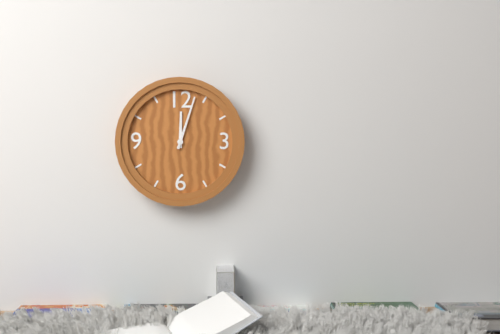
12:03
